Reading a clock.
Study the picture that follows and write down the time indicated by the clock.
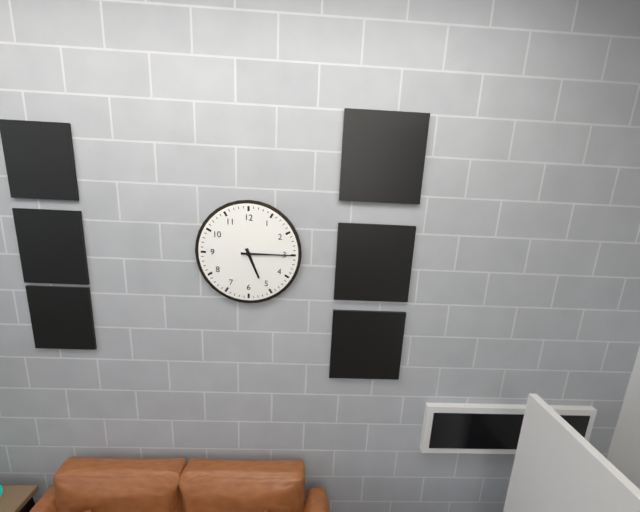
5:15
